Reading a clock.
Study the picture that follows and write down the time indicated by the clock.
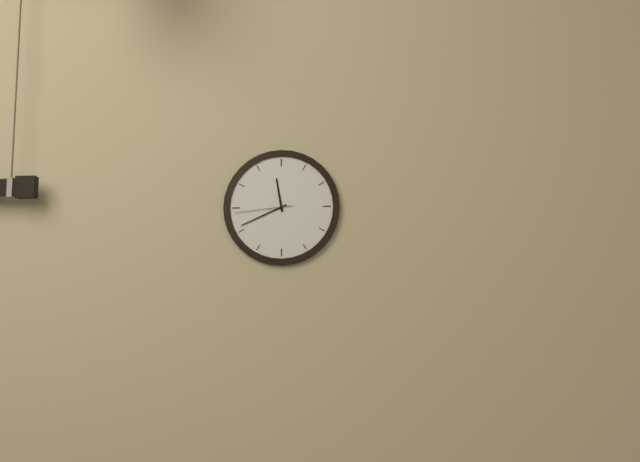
11:41:44
